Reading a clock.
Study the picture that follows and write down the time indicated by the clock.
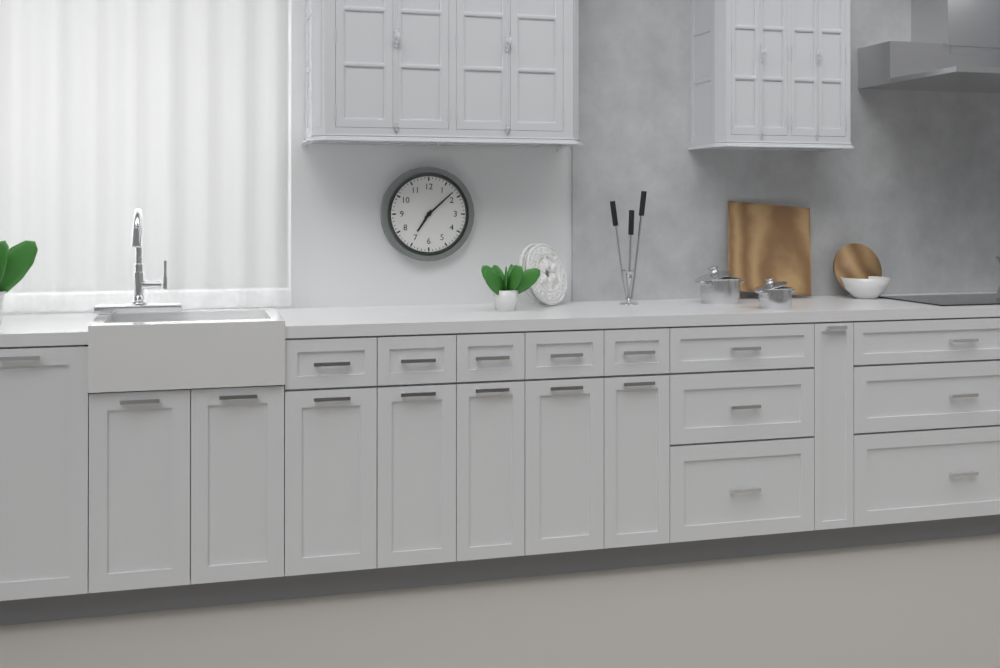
7:08
